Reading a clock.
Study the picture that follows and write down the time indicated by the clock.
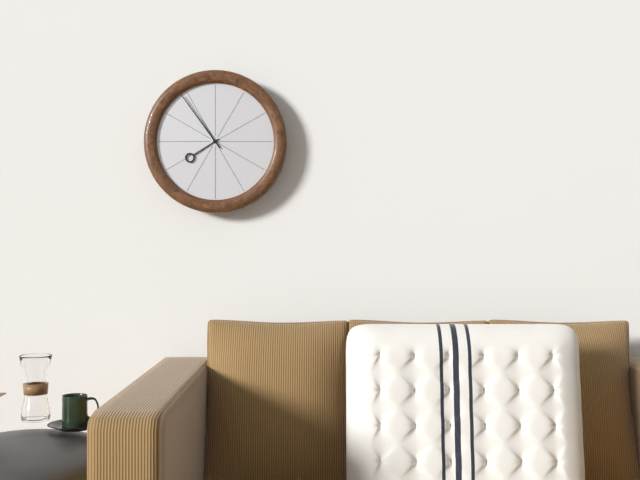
7:54
